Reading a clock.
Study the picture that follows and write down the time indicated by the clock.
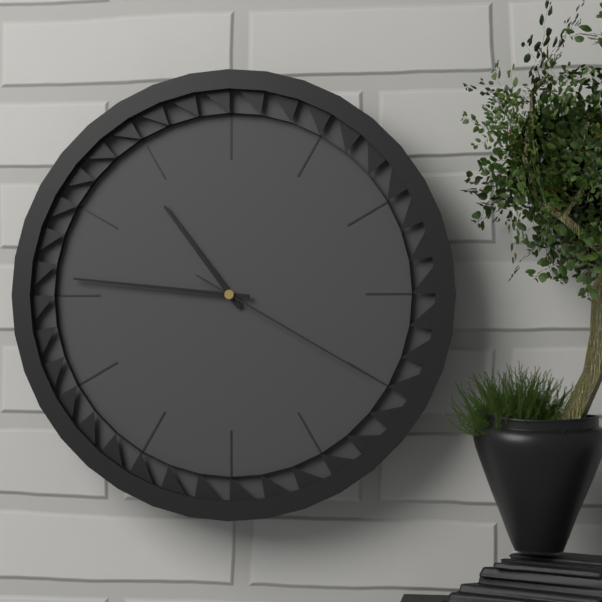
10:46:20
